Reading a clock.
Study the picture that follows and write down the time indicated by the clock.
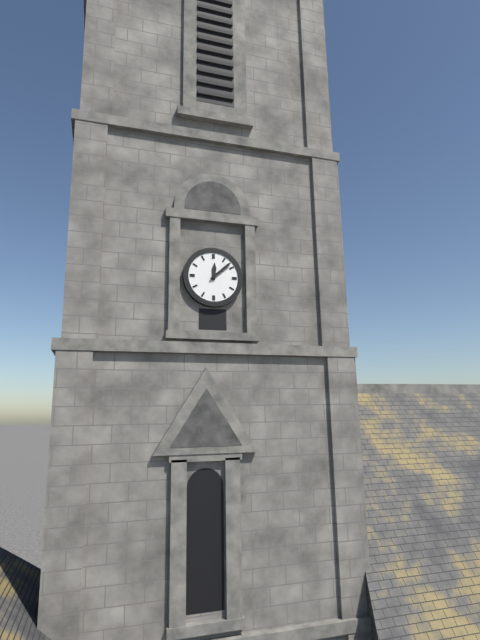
12:08
